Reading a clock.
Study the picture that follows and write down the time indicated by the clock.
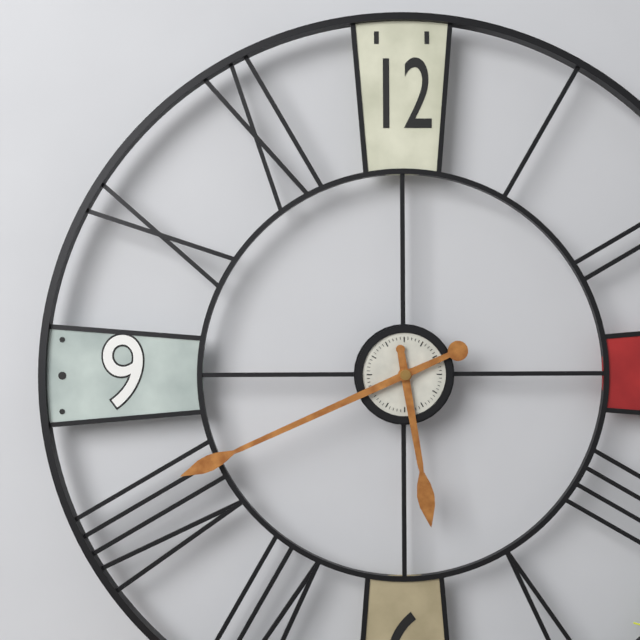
5:41
